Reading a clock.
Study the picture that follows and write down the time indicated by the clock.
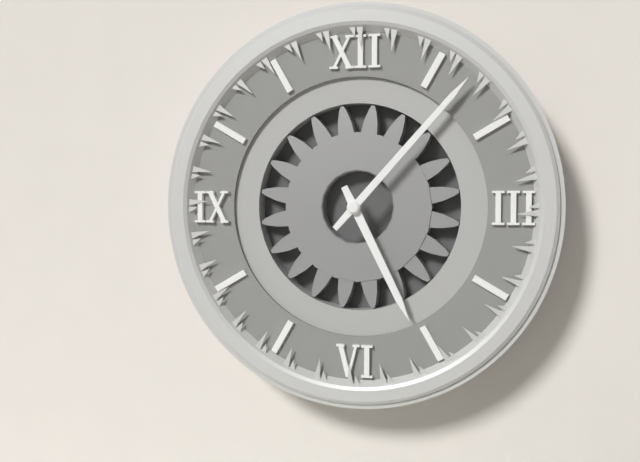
5:07
